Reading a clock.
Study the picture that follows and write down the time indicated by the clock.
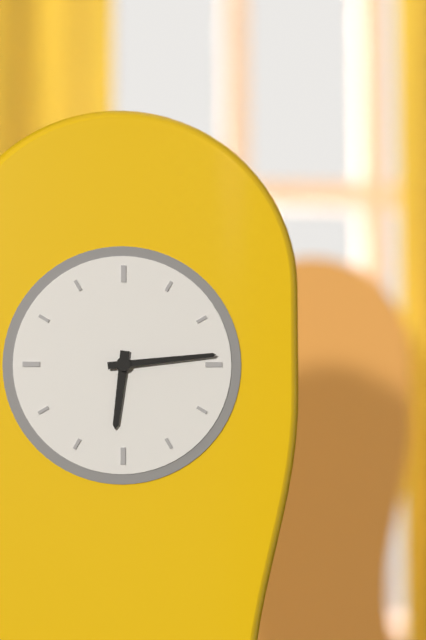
6:14
